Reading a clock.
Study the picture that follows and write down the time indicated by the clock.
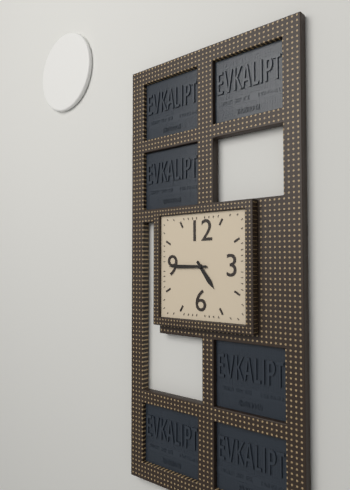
4:45
